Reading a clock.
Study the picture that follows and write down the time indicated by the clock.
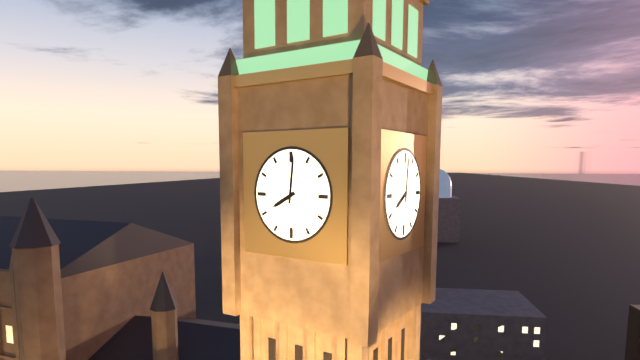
8:01
